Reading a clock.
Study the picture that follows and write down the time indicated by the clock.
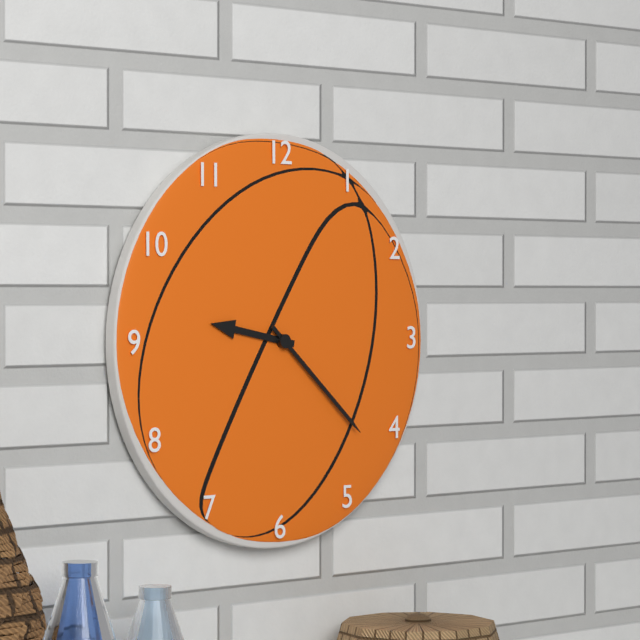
9:22
